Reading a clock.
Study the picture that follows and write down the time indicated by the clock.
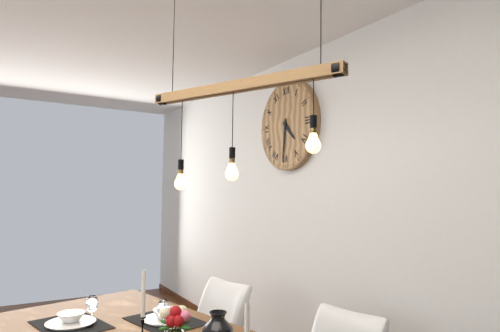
4:31
